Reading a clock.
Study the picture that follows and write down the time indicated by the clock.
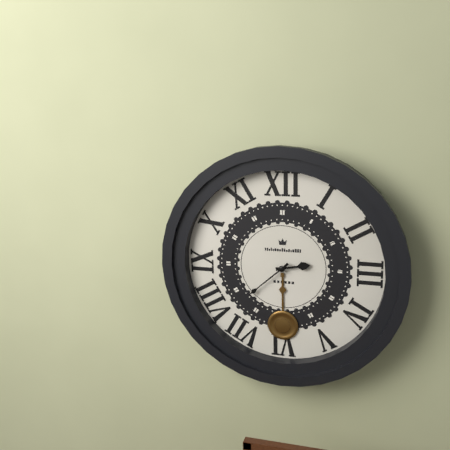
2:38
